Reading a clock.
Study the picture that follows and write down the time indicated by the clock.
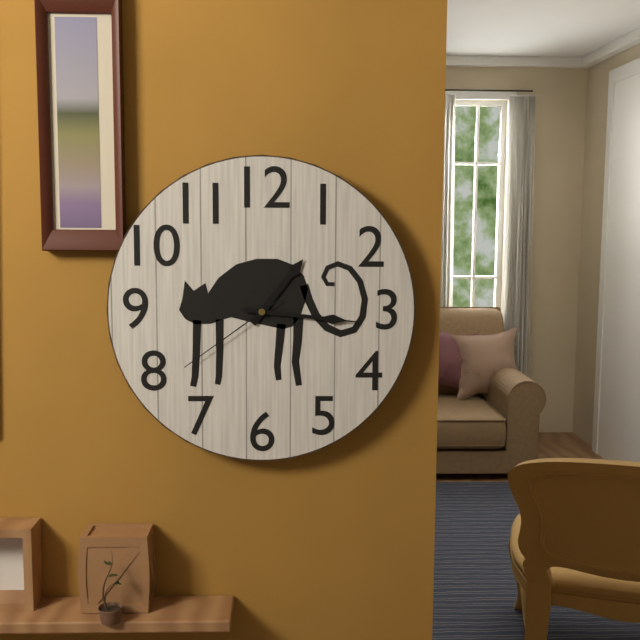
1:16:39
